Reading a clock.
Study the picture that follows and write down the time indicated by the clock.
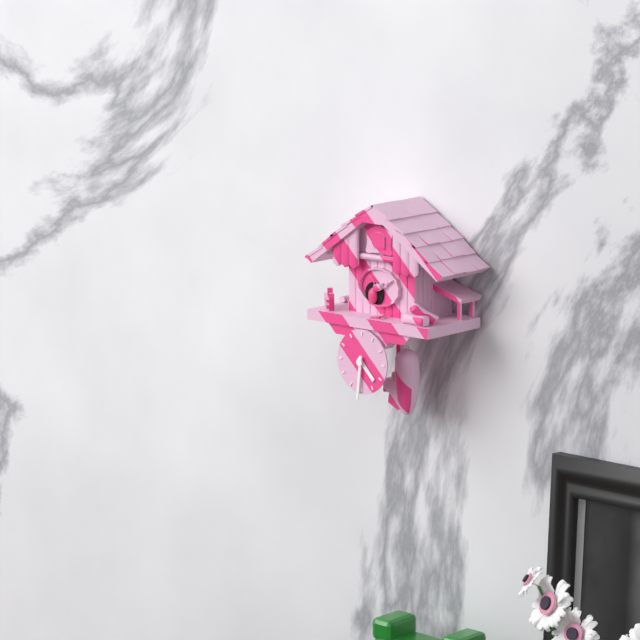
4:31
